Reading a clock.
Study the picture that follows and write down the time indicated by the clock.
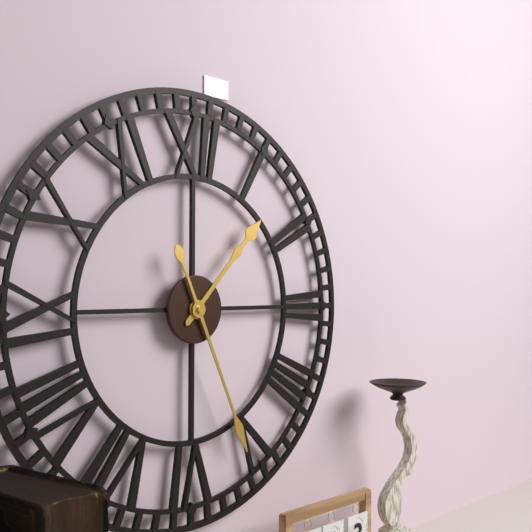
1:26
